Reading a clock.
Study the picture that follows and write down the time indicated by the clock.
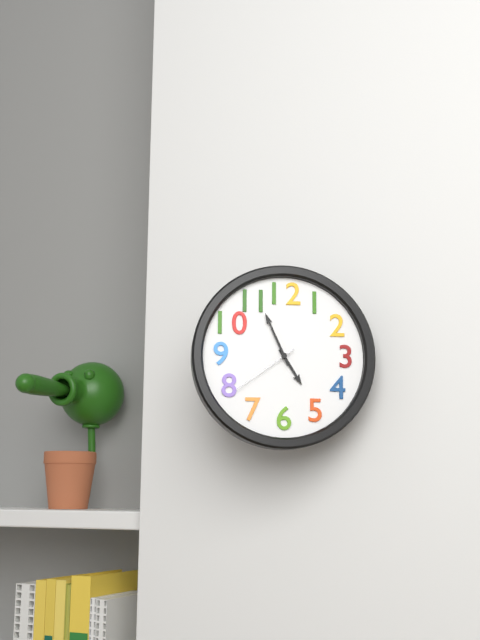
4:56:39
